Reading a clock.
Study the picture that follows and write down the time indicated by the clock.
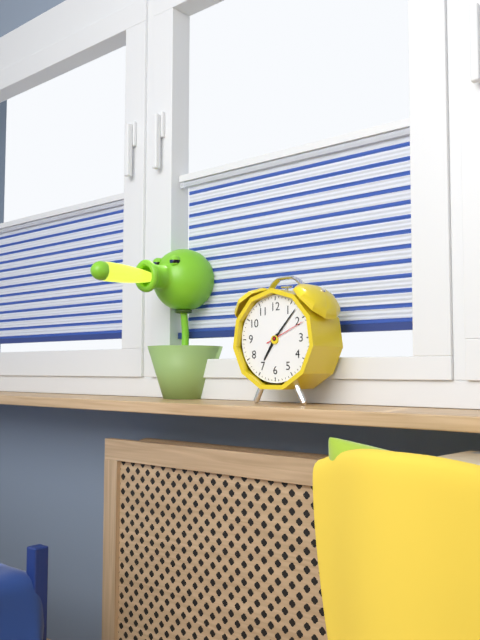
7:07
